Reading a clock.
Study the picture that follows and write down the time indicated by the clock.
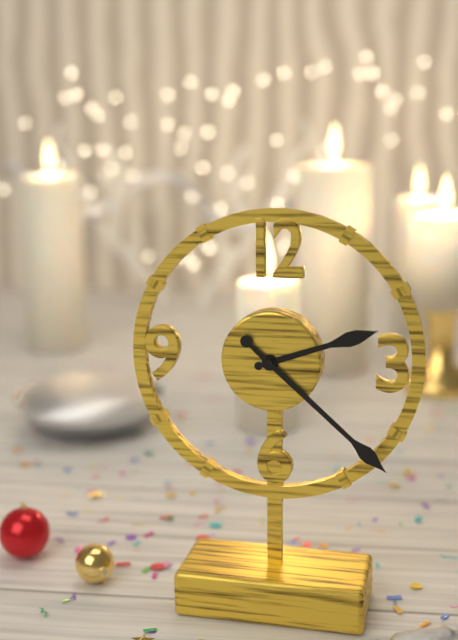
2:22
